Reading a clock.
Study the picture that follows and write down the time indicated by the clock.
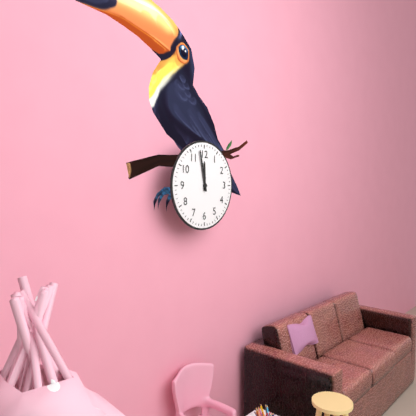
11:58
